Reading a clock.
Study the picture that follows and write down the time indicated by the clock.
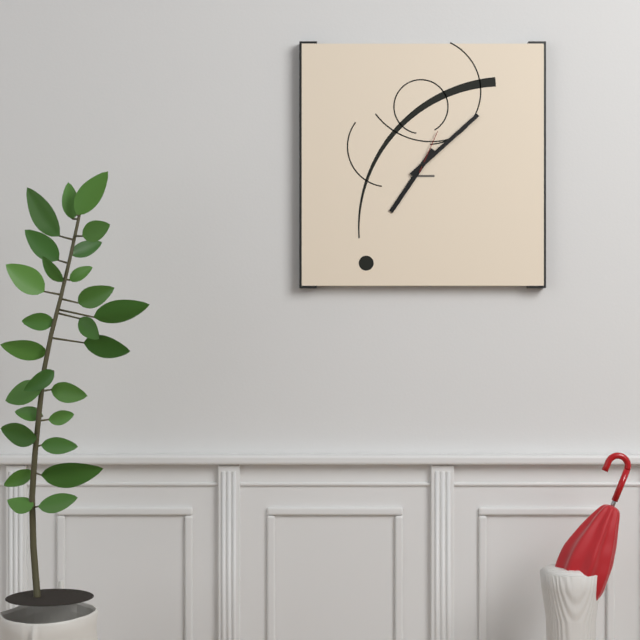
7:08
